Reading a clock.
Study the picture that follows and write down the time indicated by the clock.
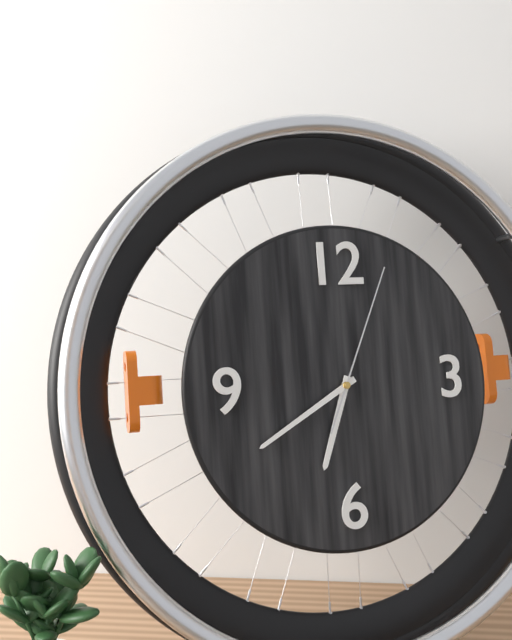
6:40:04
